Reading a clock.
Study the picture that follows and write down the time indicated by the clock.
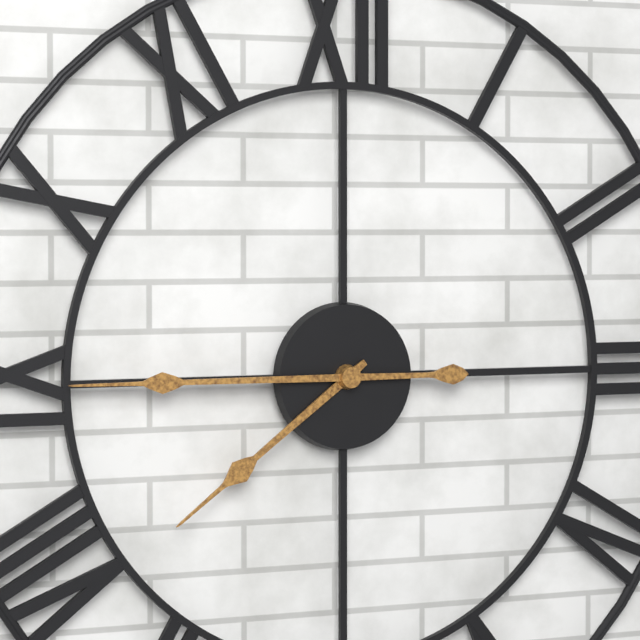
7:45
